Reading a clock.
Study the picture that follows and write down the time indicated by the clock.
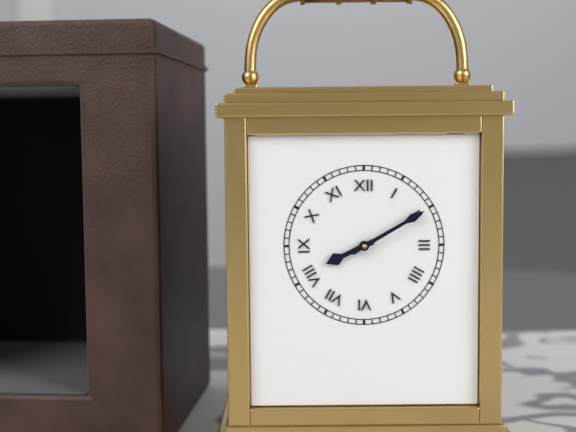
8:10
